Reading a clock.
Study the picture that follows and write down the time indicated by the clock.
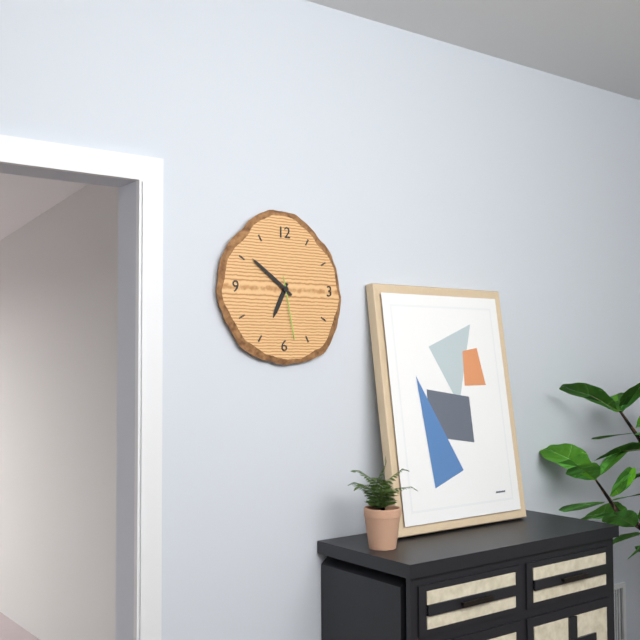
6:51:28
